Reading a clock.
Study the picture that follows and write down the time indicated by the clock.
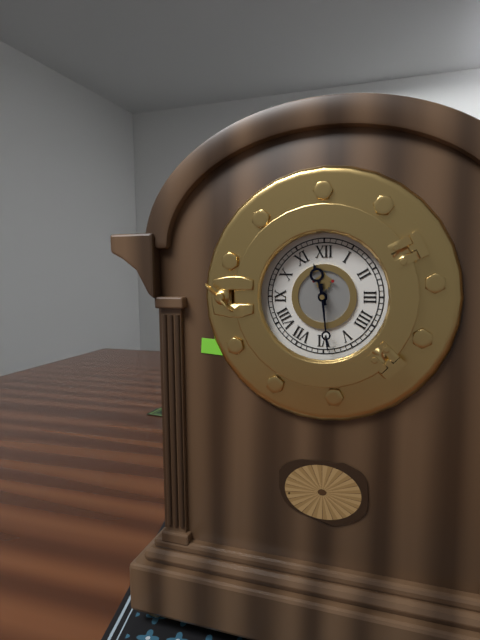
11:29
